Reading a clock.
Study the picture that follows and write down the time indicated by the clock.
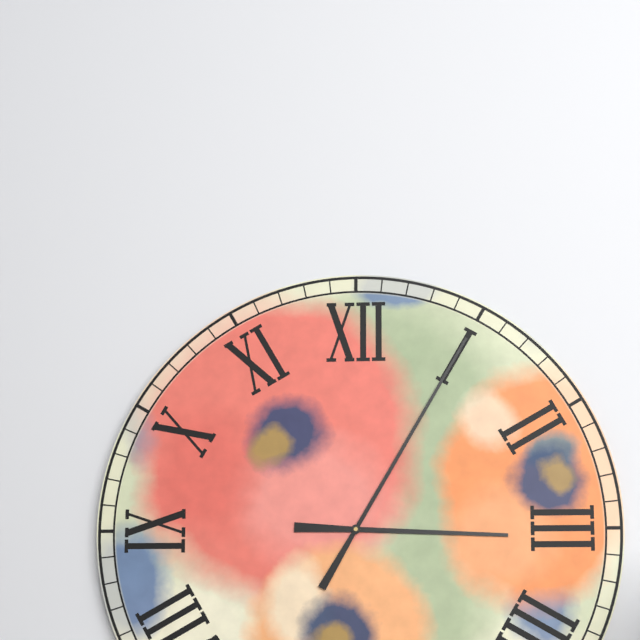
3:05
